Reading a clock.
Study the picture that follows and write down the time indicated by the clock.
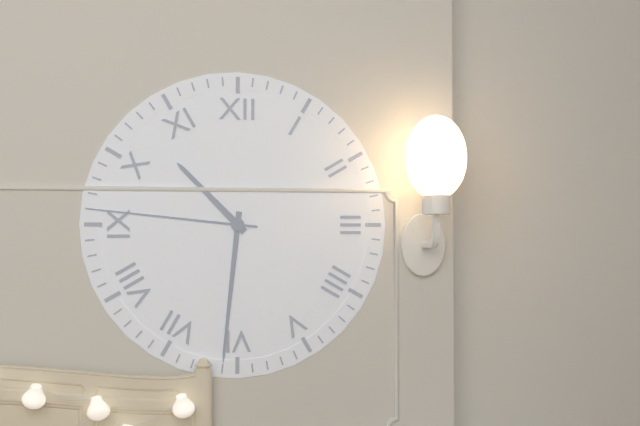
10:31:46
